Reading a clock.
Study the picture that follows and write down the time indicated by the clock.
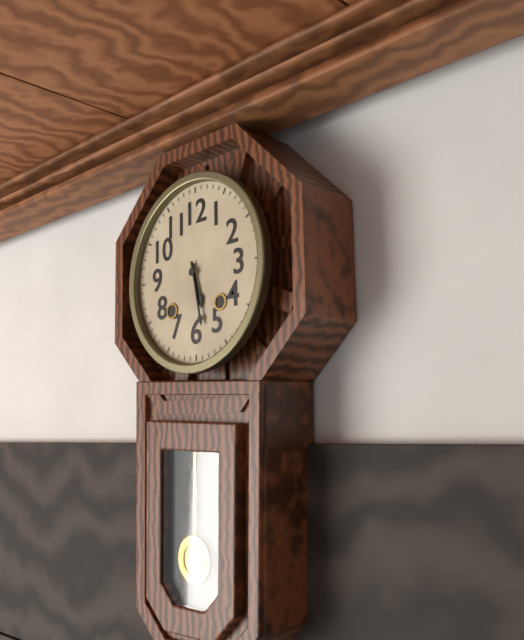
5:28
